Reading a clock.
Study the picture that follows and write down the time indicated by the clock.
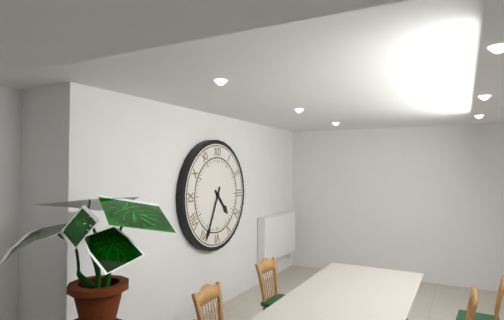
4:34
